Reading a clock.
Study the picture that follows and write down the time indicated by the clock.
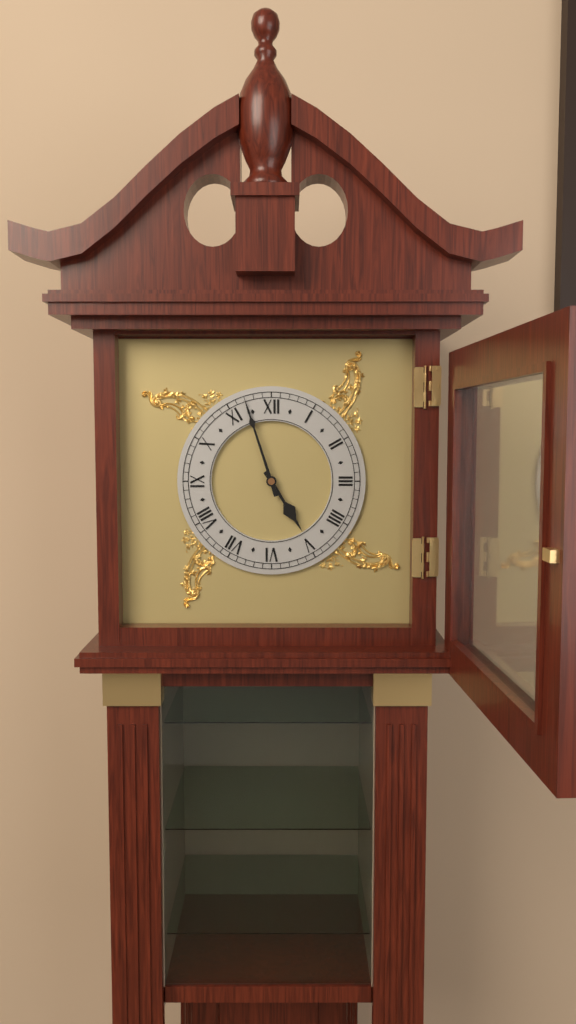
4:57
